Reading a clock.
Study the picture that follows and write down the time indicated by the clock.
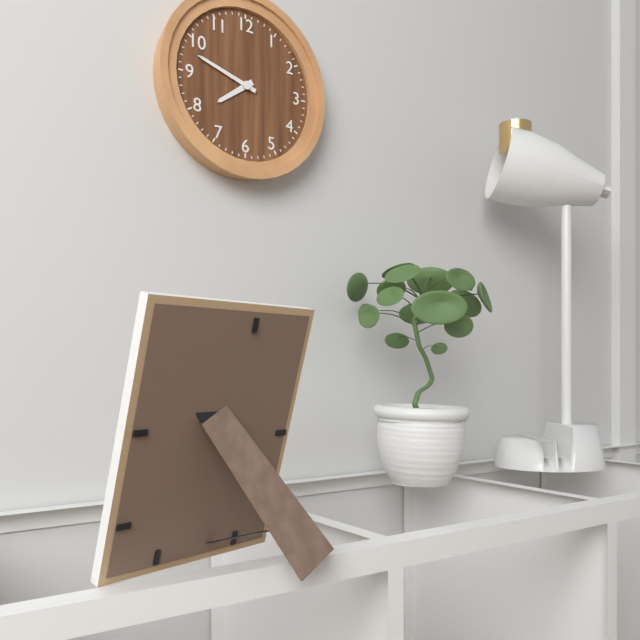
7:48
